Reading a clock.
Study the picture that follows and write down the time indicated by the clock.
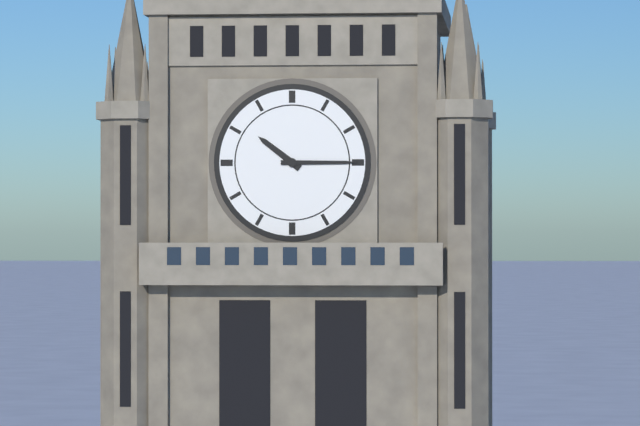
10:15
